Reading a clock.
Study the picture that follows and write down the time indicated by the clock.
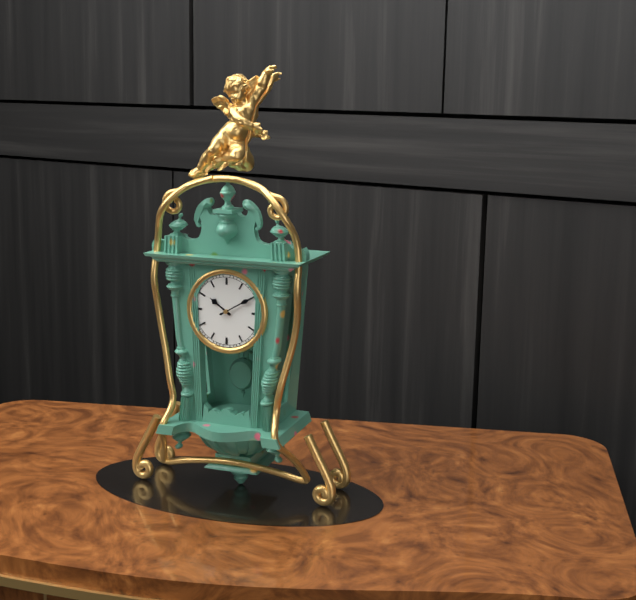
10:10
